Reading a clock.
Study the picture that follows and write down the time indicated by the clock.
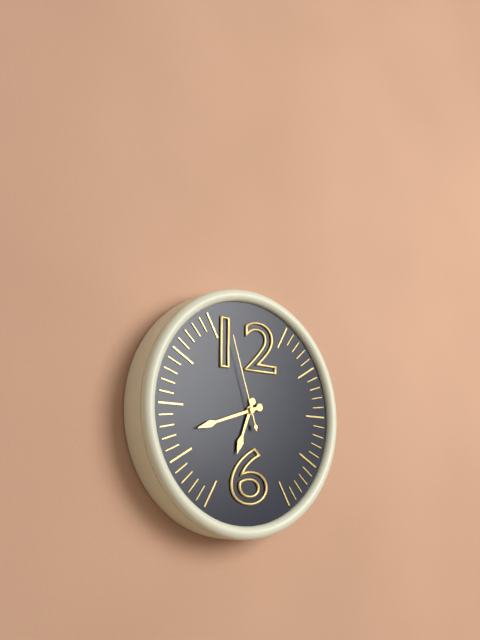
6:42:57
